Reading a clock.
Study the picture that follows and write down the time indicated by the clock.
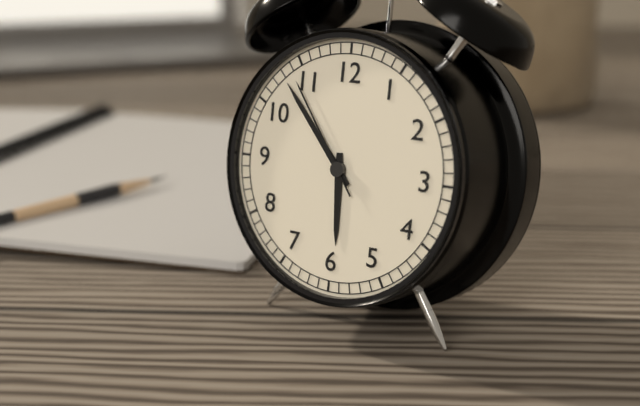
5:53:54
